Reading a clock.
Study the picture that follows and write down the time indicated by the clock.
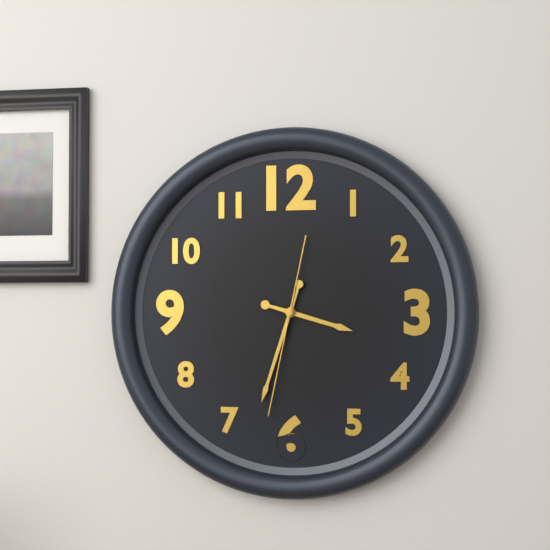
3:33:32
